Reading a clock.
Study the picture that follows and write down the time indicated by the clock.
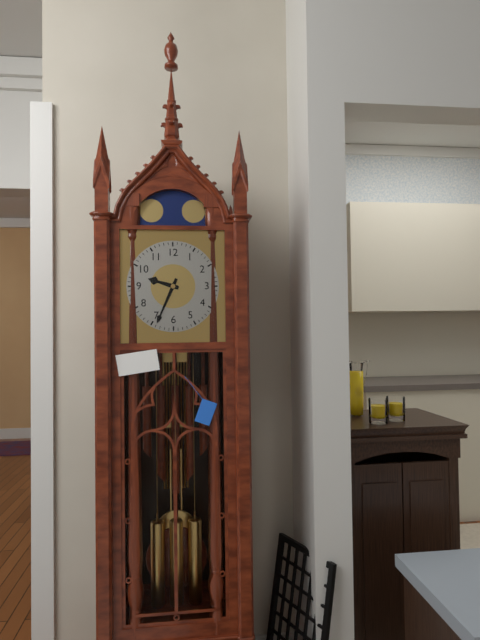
9:34
